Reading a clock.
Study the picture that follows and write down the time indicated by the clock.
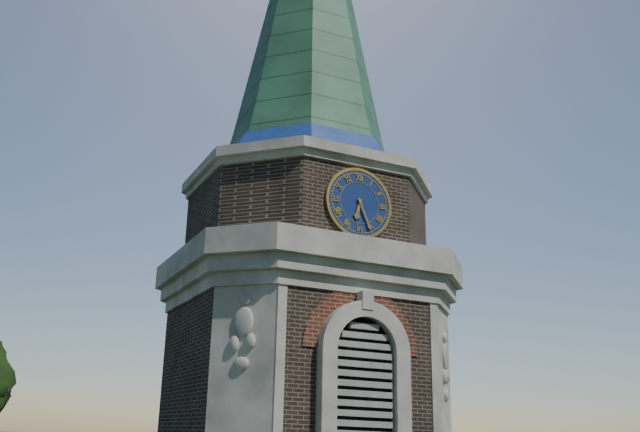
6:26
